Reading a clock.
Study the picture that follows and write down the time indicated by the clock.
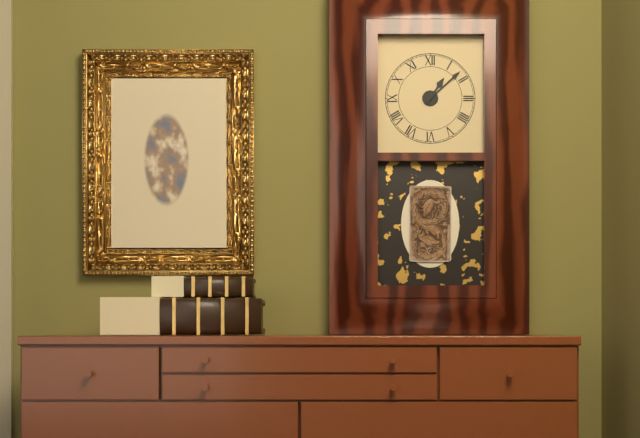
1:08
